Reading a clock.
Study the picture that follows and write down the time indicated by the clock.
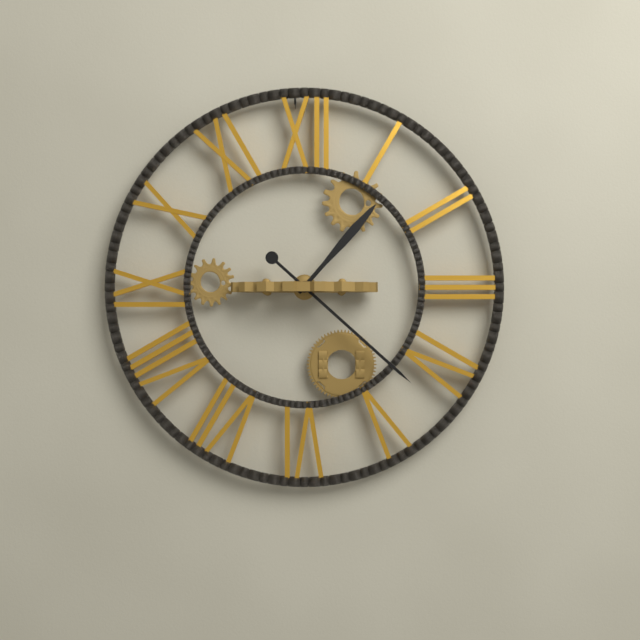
1:22
